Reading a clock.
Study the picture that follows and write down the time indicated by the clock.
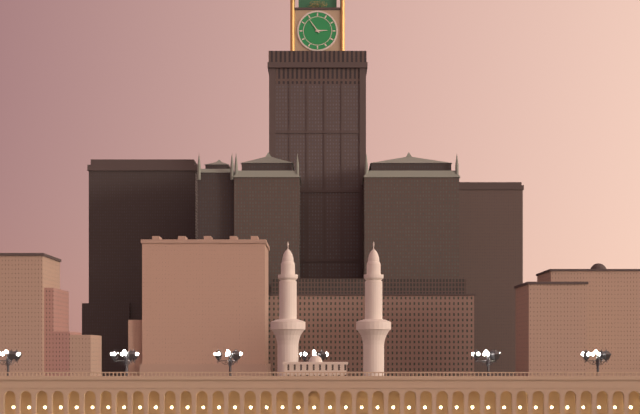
2:54
